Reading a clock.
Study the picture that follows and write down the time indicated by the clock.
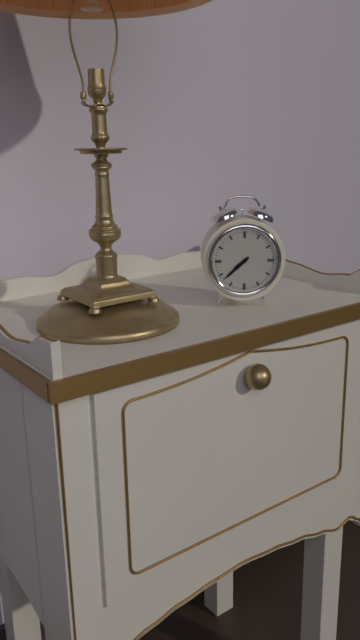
7:38
